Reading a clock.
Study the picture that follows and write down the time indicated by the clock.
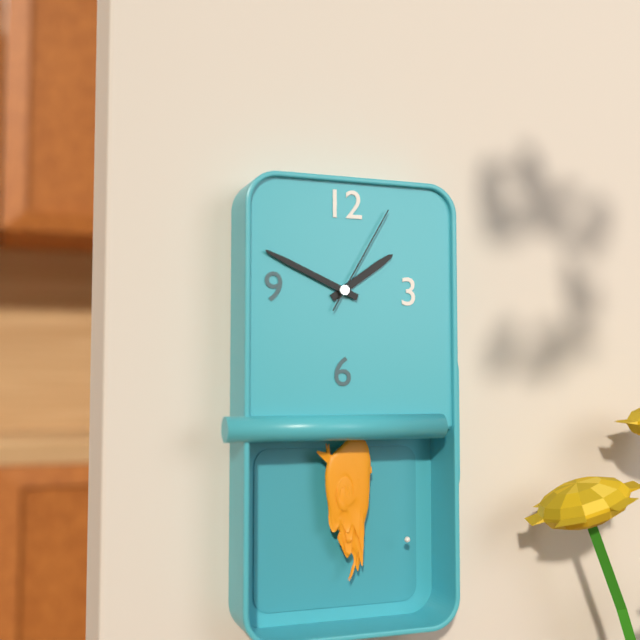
1:49:05
